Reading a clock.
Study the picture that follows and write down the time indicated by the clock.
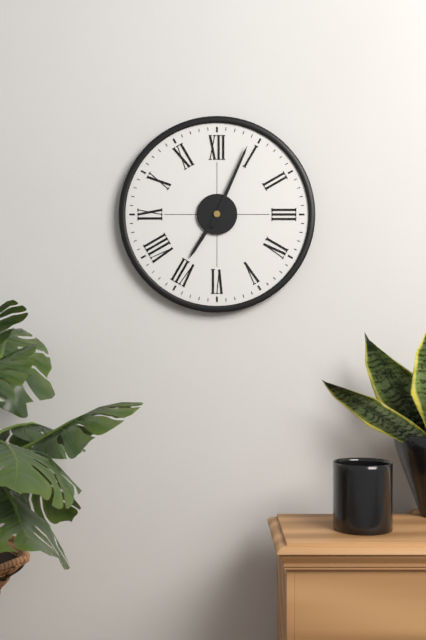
7:04
